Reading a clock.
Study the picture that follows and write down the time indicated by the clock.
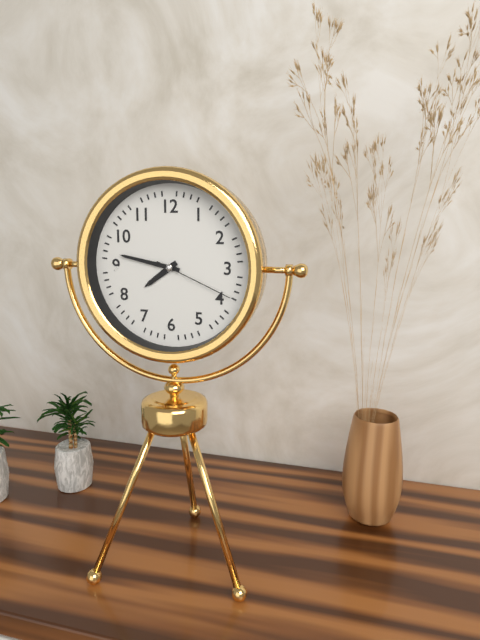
7:47:19
